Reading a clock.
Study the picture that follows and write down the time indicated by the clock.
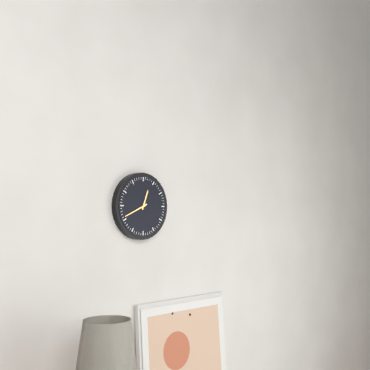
12:41
